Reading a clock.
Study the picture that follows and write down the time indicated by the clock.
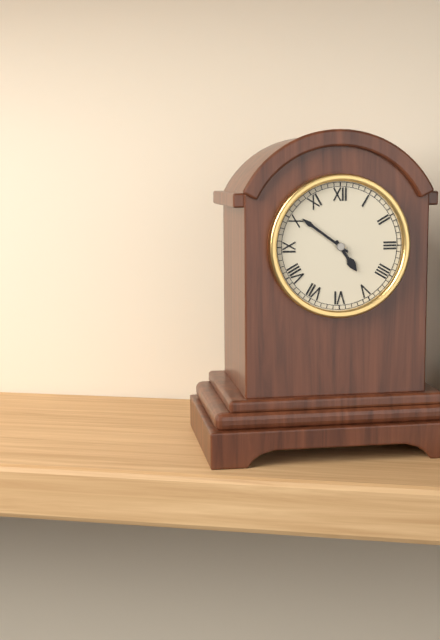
4:51
